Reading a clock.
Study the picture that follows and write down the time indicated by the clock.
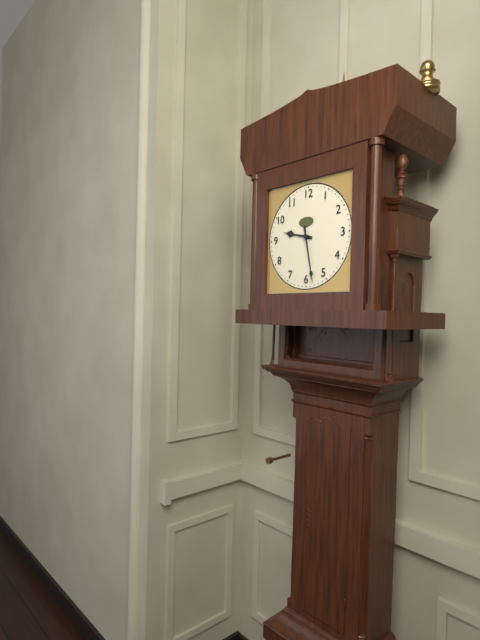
9:28
